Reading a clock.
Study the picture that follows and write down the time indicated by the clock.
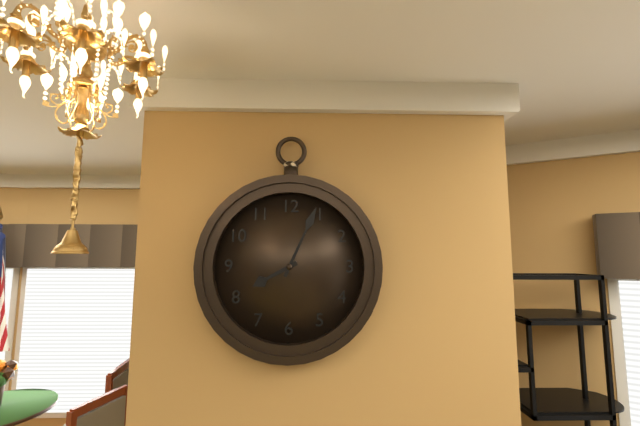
8:04
